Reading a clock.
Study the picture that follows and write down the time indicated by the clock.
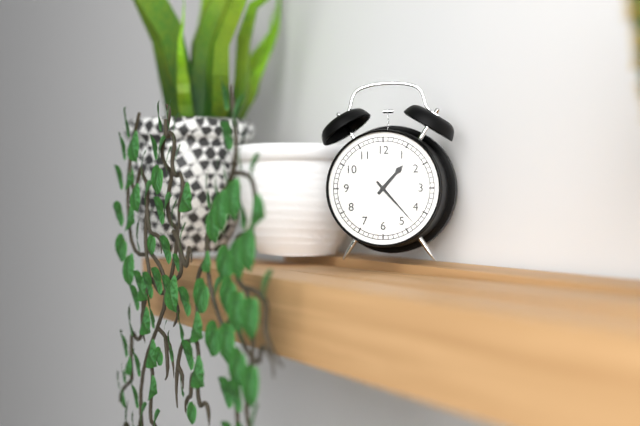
1:23
